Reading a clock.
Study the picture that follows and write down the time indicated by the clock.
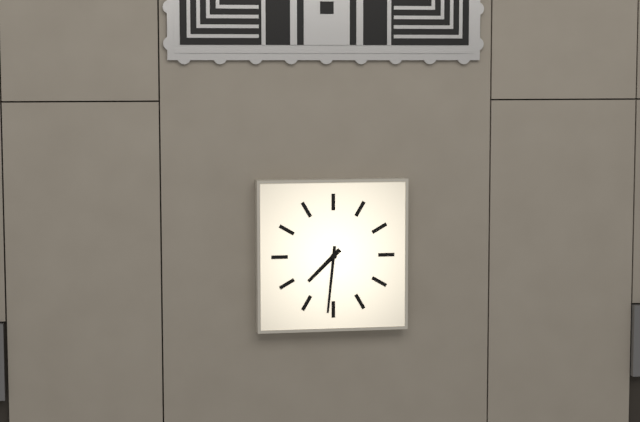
7:31
